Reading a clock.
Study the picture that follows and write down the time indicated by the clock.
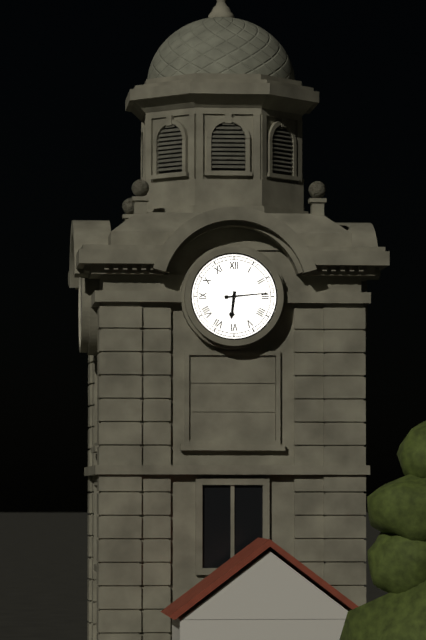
6:14
